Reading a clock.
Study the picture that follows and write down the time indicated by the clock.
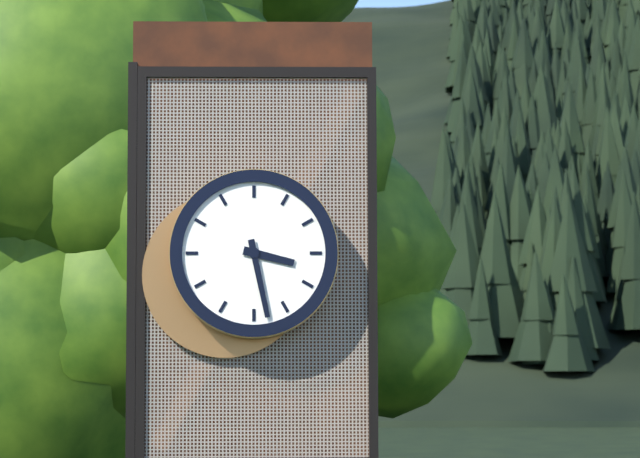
3:28
